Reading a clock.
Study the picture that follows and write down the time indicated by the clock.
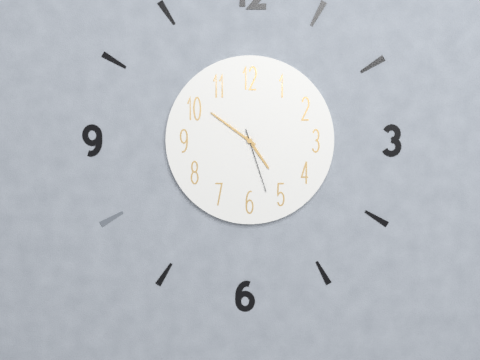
4:51:27
